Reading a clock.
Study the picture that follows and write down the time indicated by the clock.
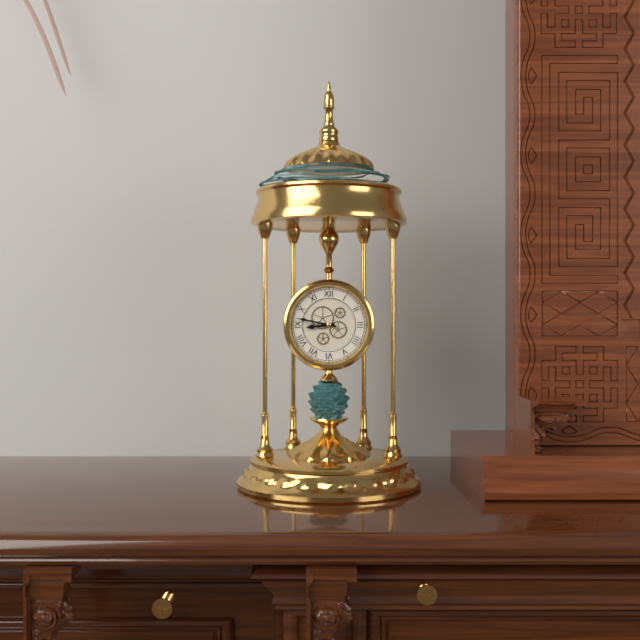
8:47
